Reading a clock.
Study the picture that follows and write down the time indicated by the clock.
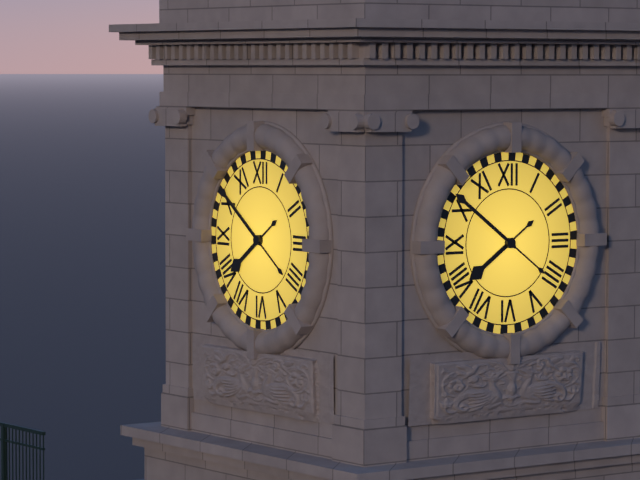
7:51
